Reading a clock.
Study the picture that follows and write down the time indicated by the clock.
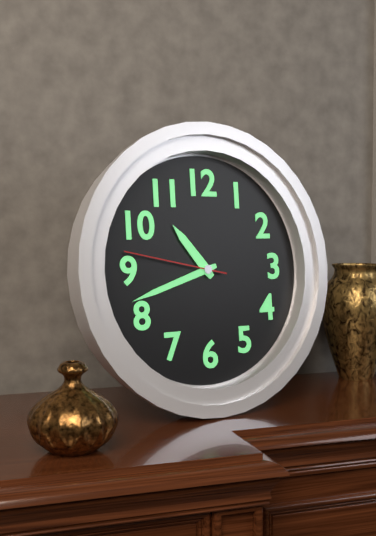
10:42:47
